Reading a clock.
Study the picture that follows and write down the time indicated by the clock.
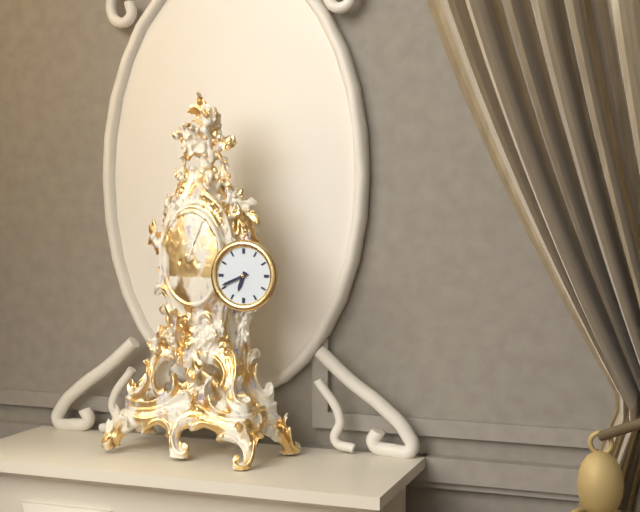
6:41
